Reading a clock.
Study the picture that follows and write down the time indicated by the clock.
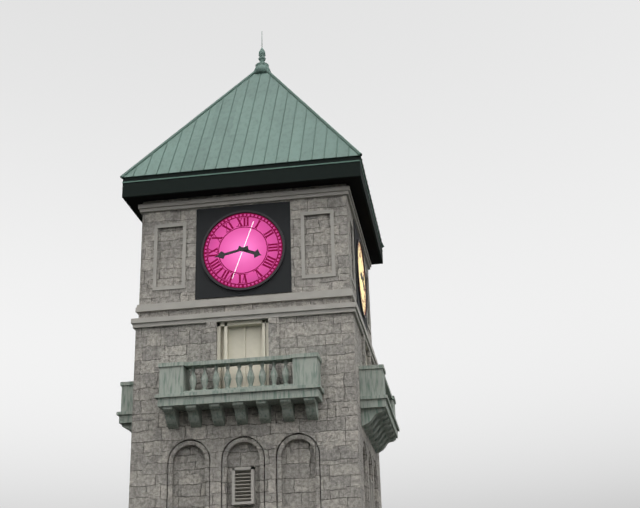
3:43
